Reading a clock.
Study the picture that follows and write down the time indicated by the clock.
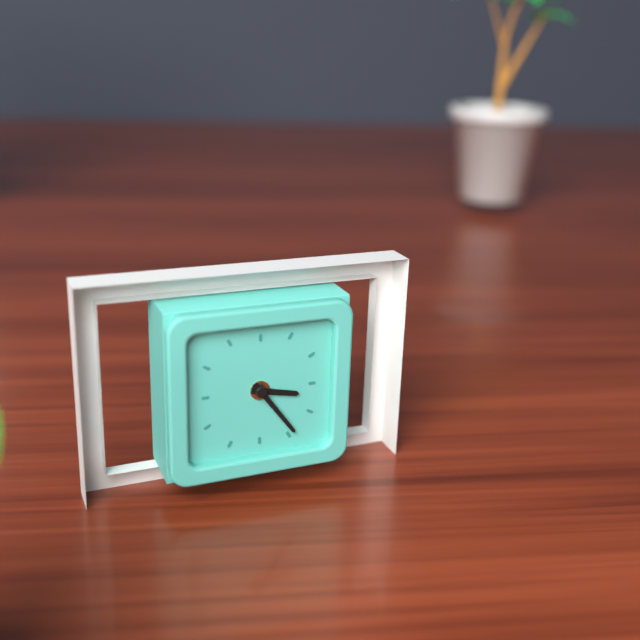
3:24
